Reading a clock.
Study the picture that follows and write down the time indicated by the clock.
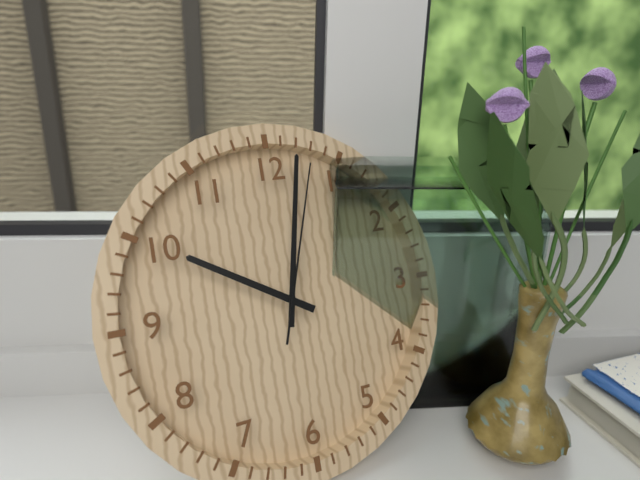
10:02:03
